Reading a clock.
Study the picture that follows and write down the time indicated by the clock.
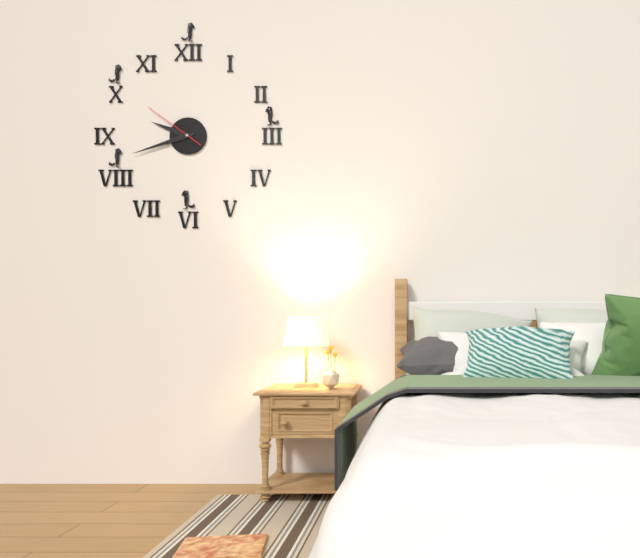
9:42:51
